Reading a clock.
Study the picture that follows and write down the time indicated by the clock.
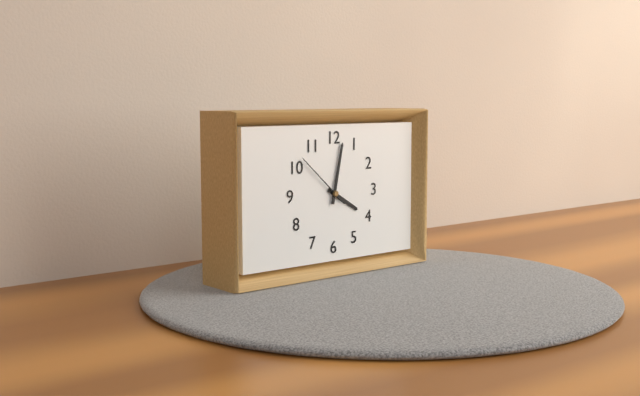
4:02:52
